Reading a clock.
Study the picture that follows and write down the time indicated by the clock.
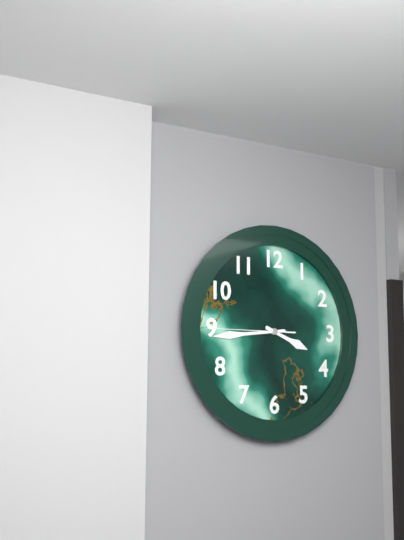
3:44:45
